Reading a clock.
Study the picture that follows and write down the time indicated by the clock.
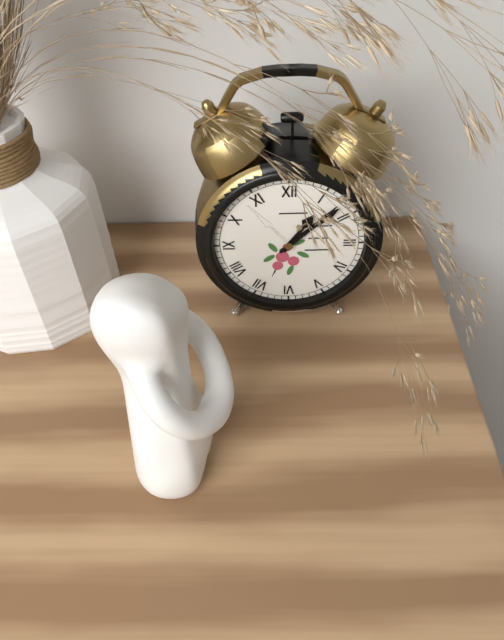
1:08
